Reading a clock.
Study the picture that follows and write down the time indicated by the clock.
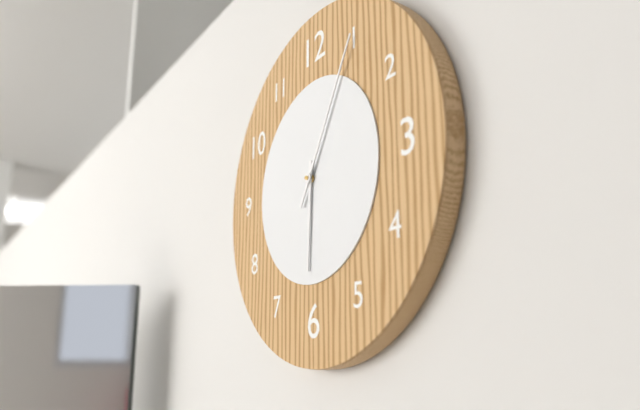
6:05
